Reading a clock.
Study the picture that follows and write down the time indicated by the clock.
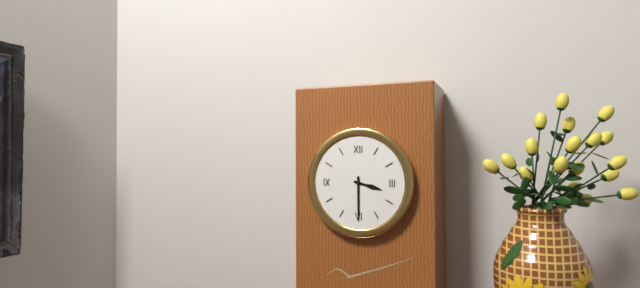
3:30
